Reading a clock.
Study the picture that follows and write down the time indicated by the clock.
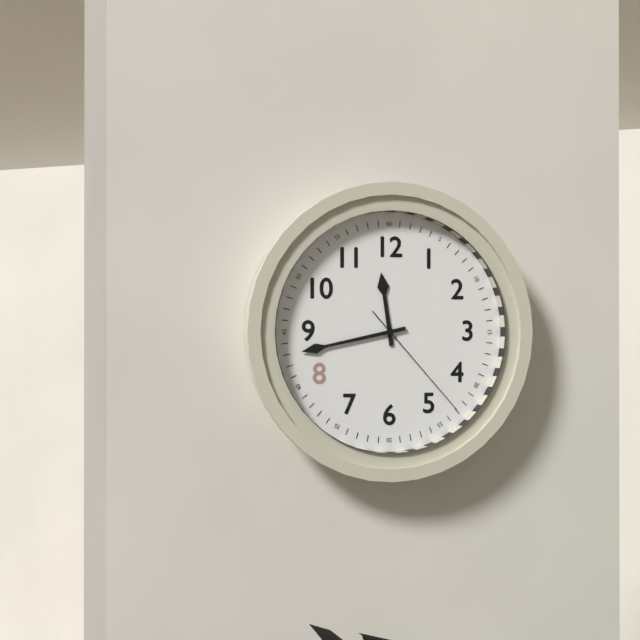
11:43:23
